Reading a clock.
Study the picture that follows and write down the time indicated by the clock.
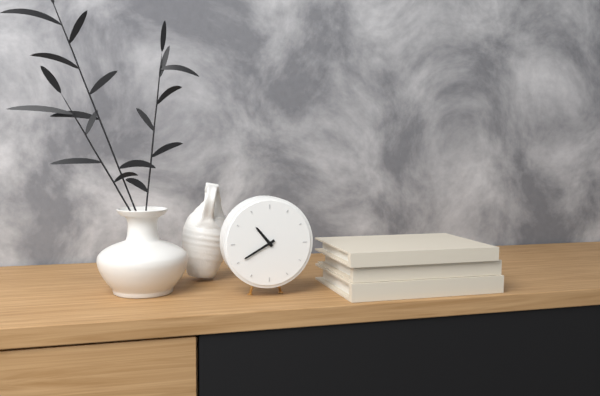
10:40
